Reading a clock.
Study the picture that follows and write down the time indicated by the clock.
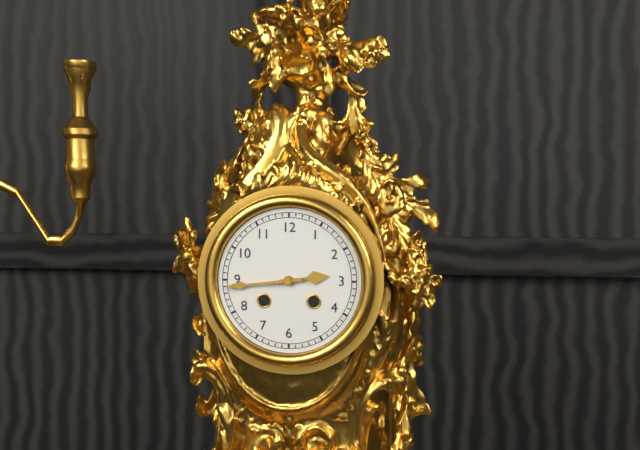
2:44
